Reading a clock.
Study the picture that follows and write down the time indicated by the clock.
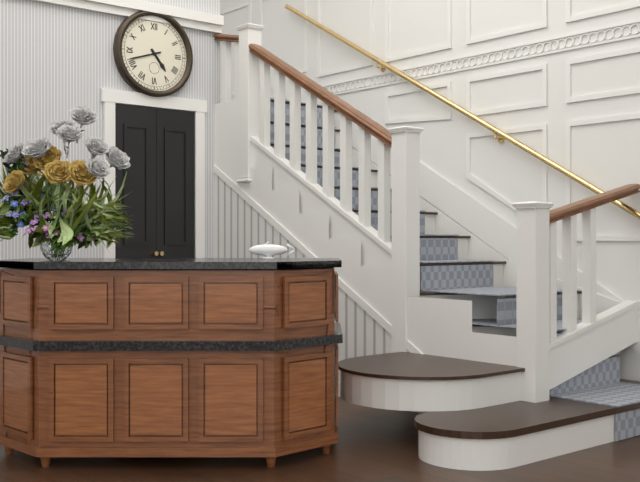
4:42
